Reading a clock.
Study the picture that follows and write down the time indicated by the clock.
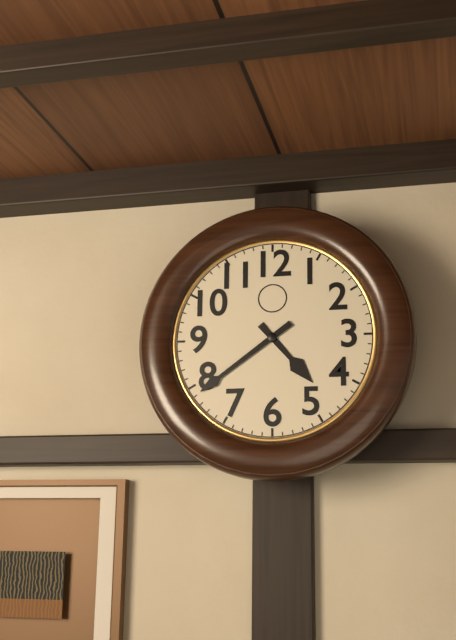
4:39
